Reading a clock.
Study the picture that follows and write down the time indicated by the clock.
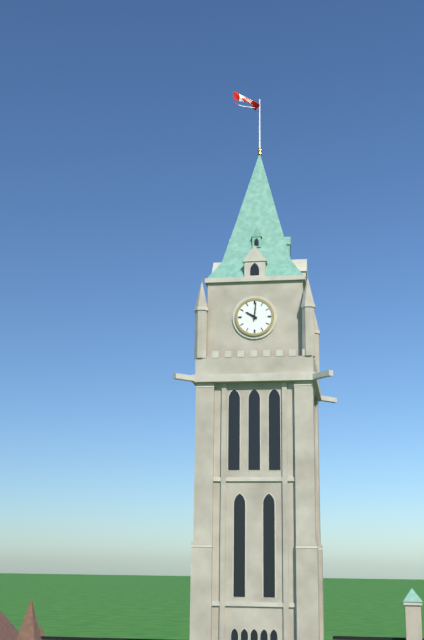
10:01
